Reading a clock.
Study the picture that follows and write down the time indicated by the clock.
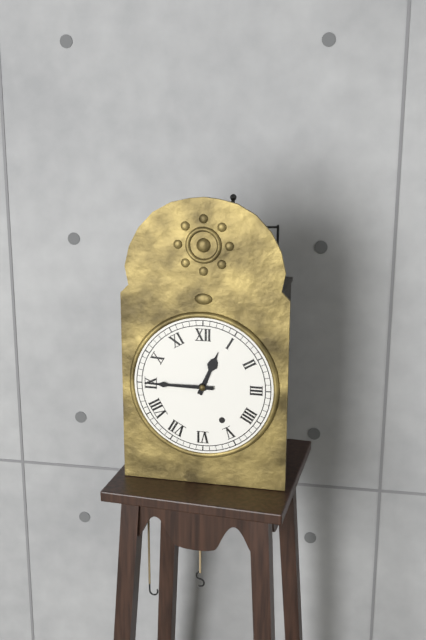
12:45
